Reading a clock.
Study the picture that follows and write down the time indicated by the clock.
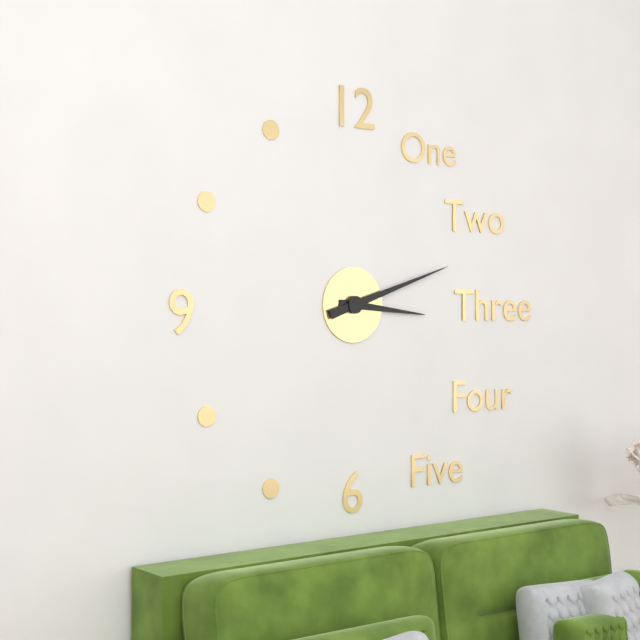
3:12
